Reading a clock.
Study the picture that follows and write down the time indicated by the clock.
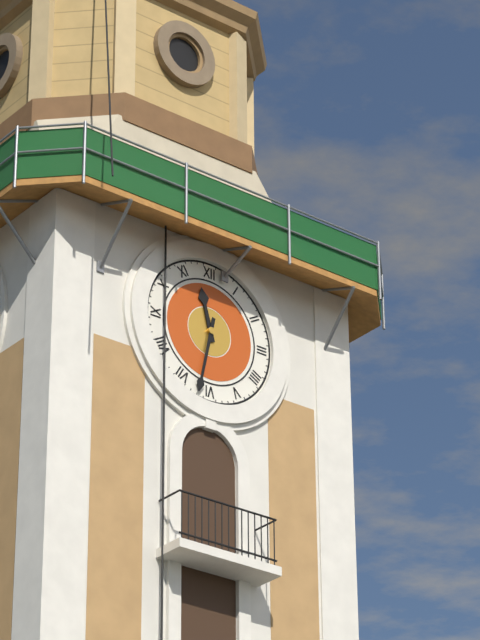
11:32
